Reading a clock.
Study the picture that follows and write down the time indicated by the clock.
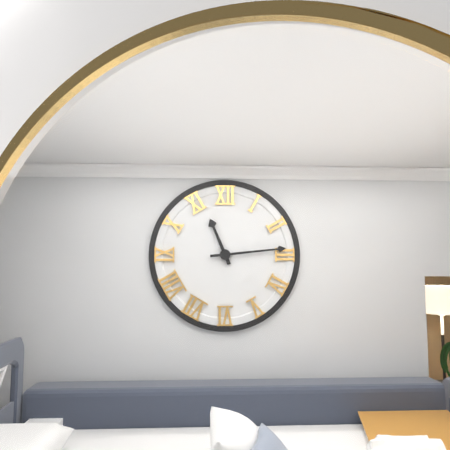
11:14
